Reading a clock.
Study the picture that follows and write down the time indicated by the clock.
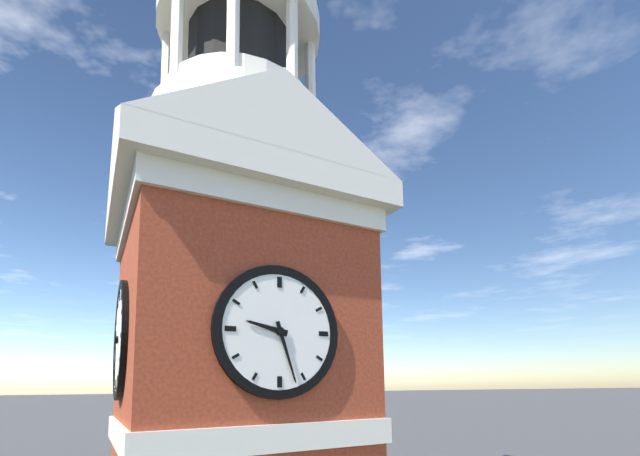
9:27
